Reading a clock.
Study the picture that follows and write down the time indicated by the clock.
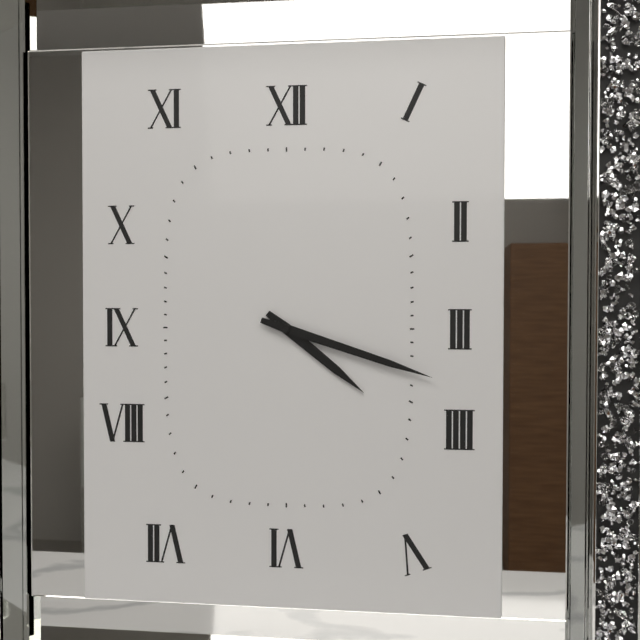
4:18
